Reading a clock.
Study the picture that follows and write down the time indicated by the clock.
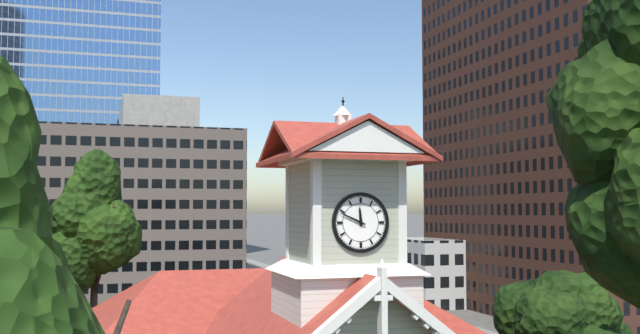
11:49
